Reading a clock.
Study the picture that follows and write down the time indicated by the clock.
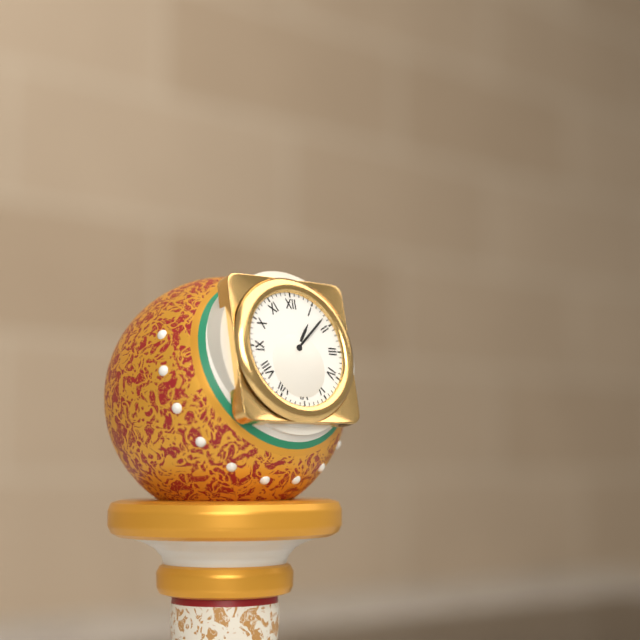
1:08
